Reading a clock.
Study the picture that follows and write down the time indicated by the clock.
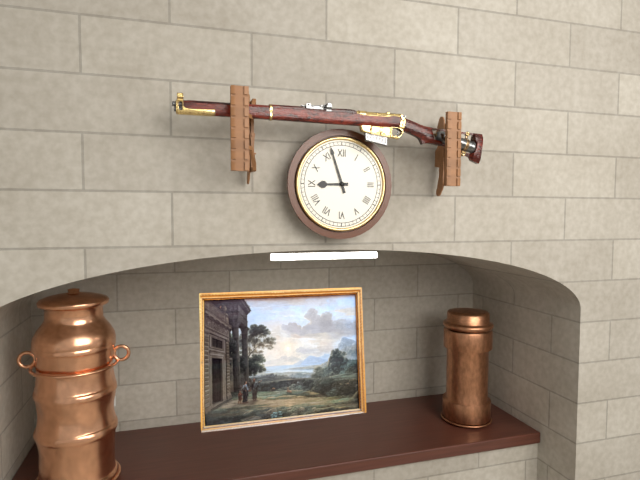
8:57
